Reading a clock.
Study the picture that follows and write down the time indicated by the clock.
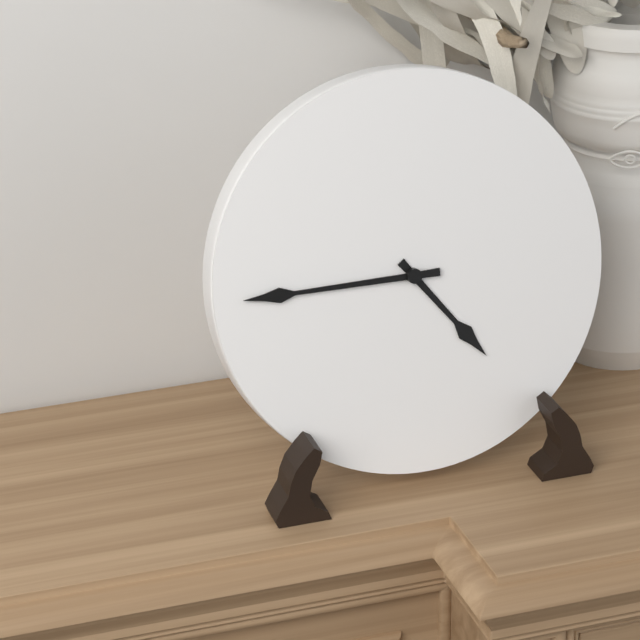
4:45
